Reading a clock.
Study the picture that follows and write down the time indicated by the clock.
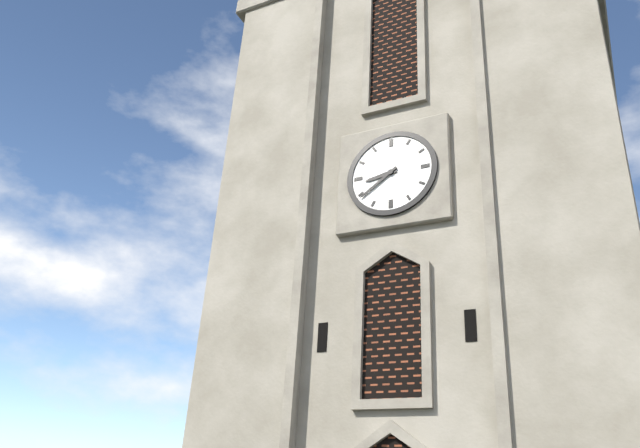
8:39
